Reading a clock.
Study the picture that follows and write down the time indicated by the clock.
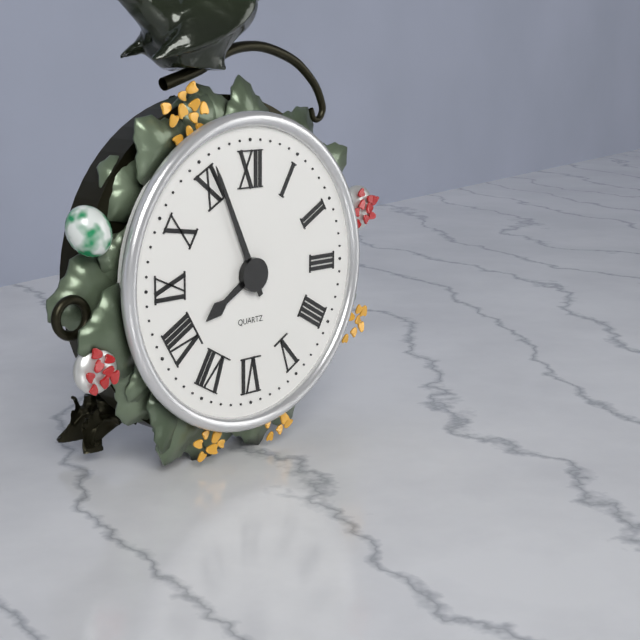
7:56
